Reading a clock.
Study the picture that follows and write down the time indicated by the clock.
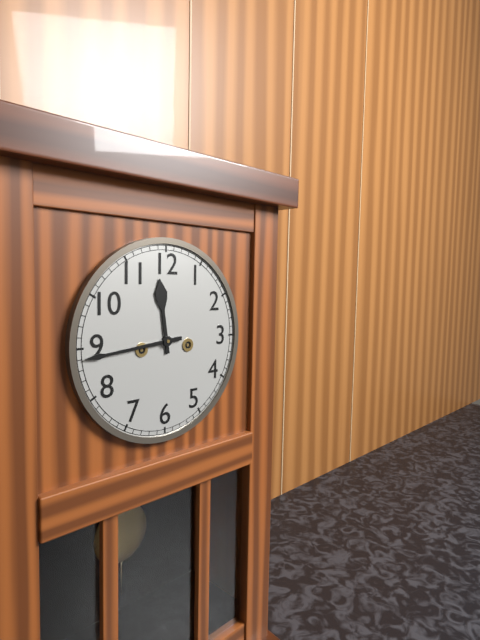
11:44
